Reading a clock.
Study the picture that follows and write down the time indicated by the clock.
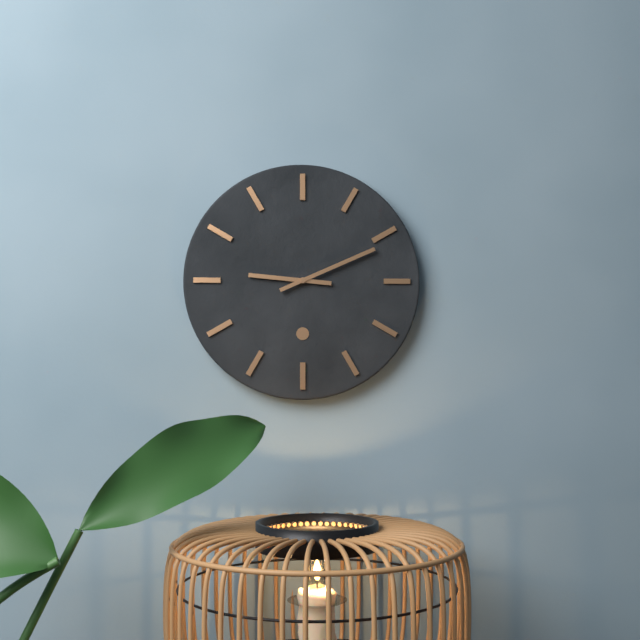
9:11
